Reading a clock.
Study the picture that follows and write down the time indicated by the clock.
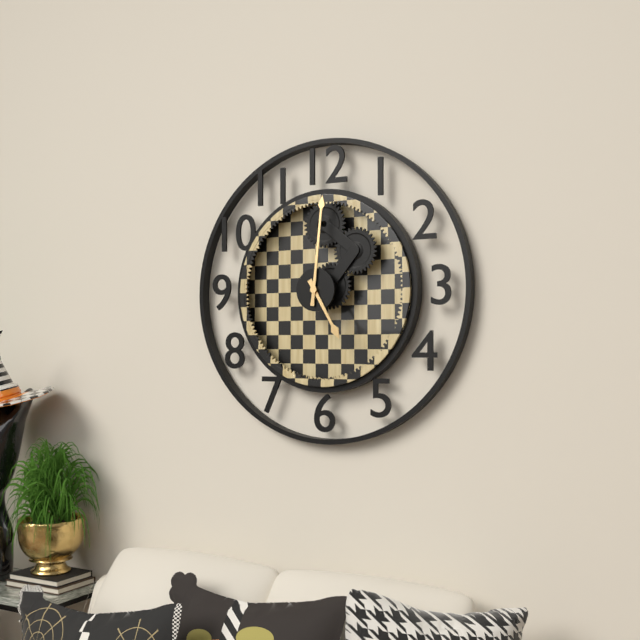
5:01
